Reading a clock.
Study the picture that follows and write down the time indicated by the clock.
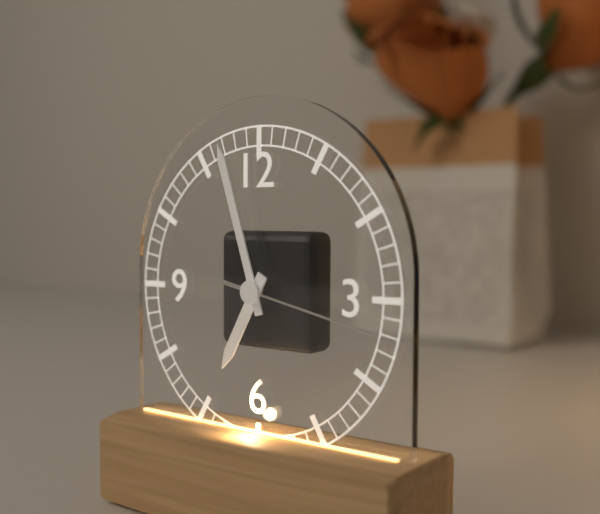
6:57:17
